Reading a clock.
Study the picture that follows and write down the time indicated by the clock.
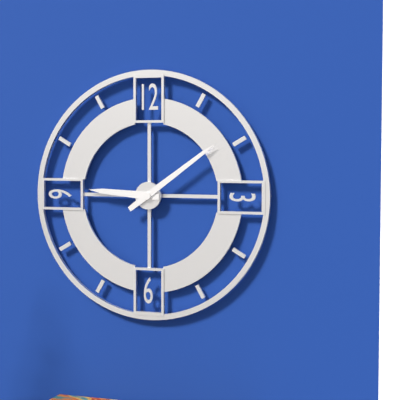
9:09
